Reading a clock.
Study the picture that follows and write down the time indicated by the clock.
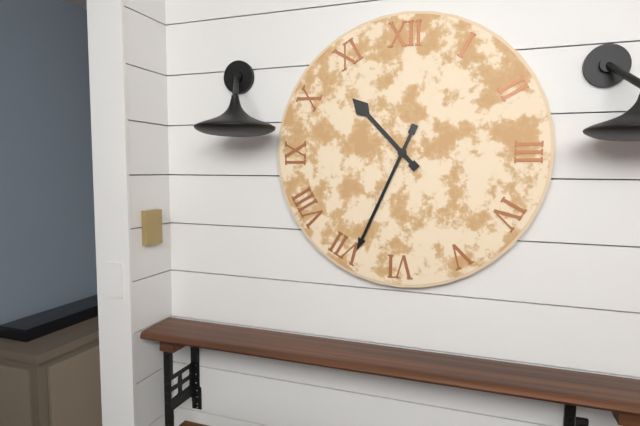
10:34
